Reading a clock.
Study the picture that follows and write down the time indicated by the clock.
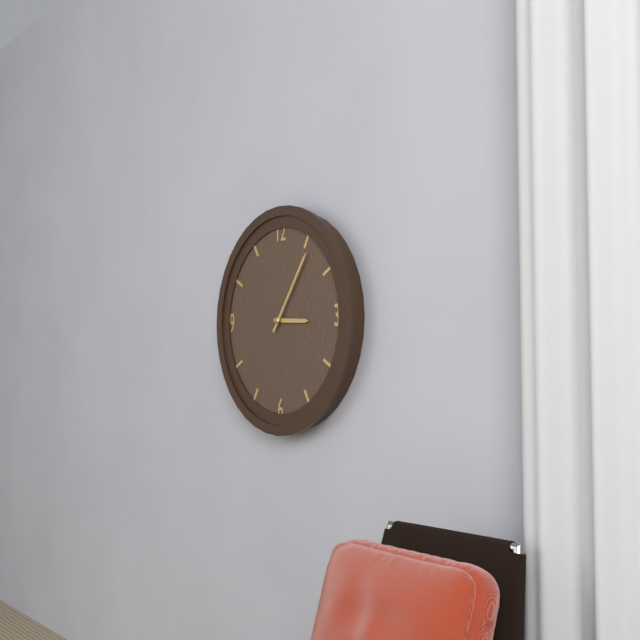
3:06
